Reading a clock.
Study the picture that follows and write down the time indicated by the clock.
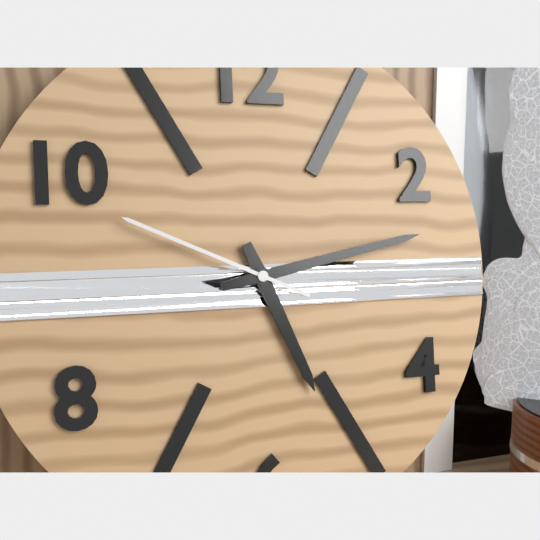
5:13:49
